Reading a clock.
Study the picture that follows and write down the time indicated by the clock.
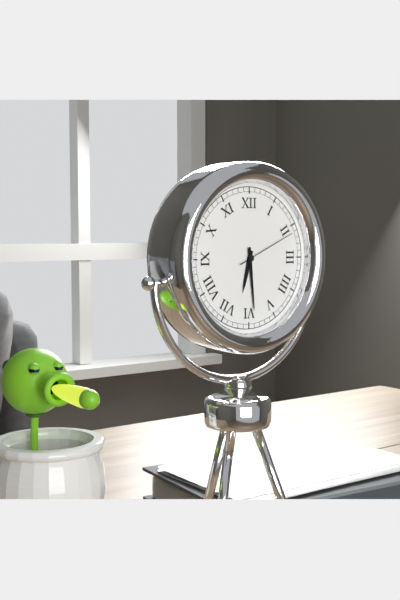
6:29:11
